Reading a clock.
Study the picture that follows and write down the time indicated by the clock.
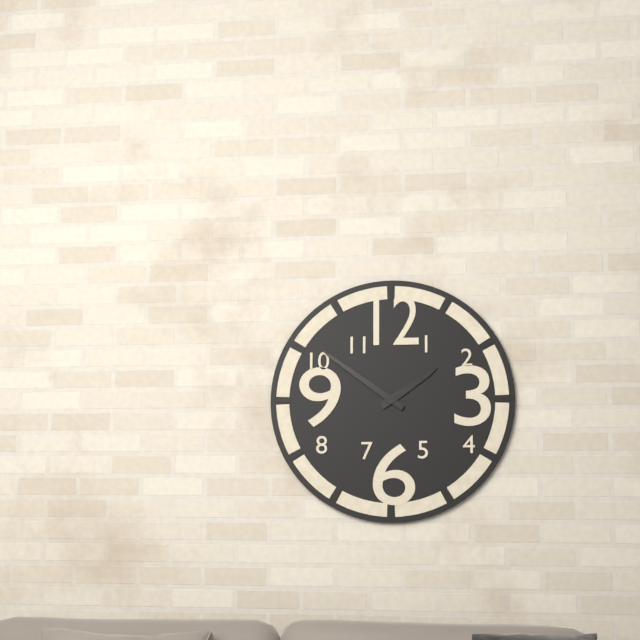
1:51
